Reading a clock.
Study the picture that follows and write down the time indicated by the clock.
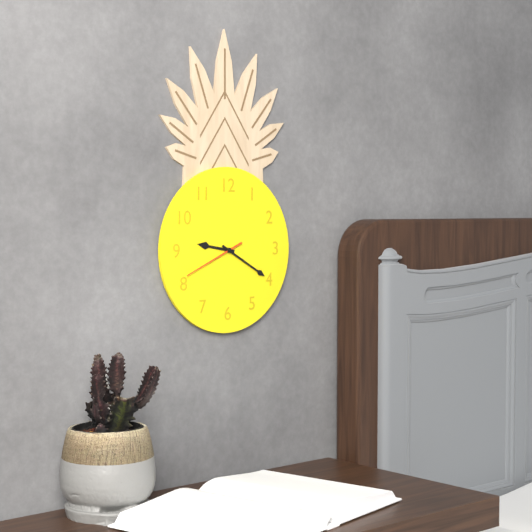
9:20:41
